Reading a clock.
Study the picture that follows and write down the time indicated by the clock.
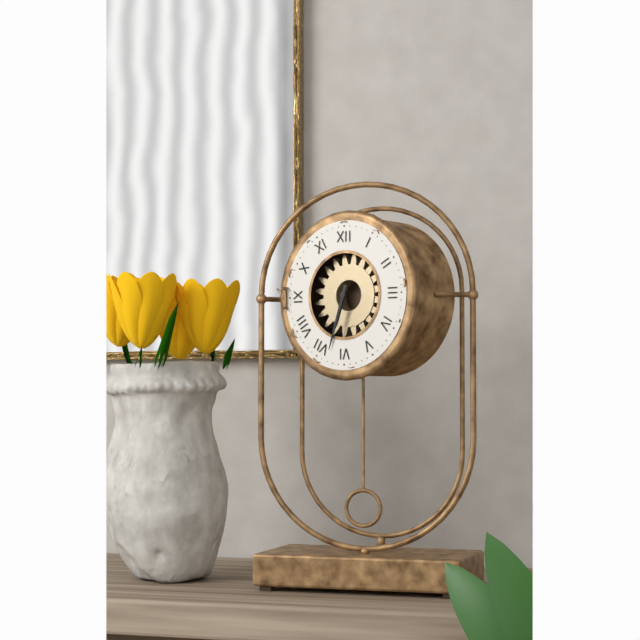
6:33
